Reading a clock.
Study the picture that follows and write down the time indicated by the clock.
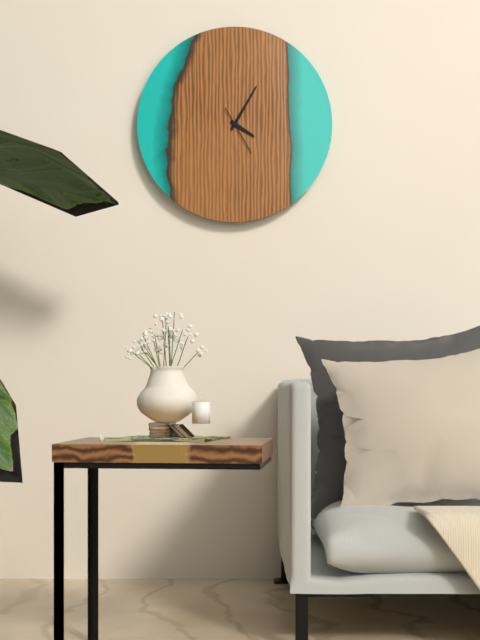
4:05
